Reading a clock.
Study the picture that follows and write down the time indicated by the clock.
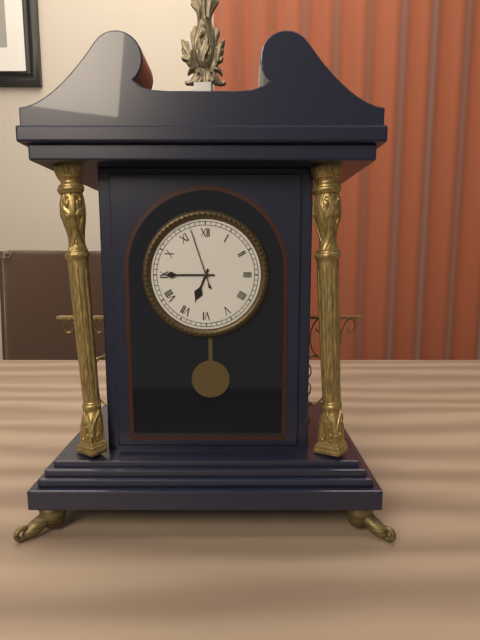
6:45:57
